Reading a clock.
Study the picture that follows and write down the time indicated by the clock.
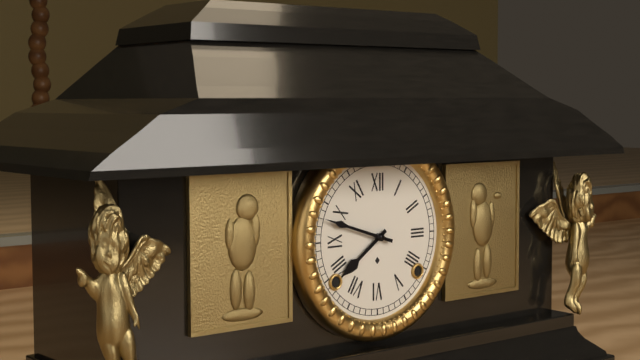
7:48
